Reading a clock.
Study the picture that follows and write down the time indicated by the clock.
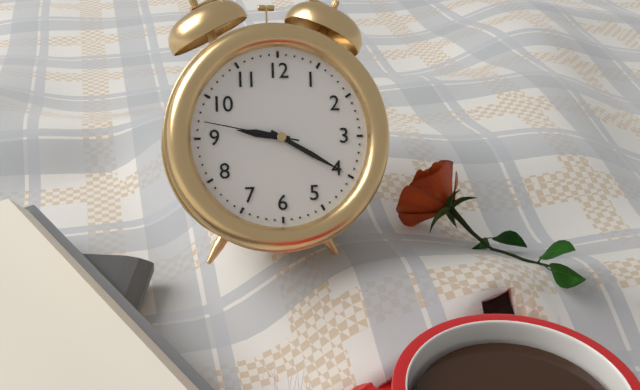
9:20:47
